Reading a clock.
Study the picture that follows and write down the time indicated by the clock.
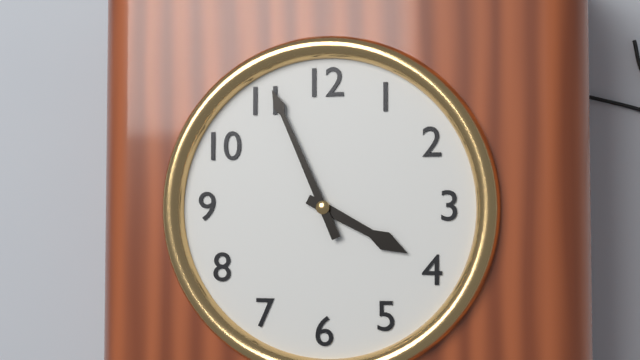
3:56
